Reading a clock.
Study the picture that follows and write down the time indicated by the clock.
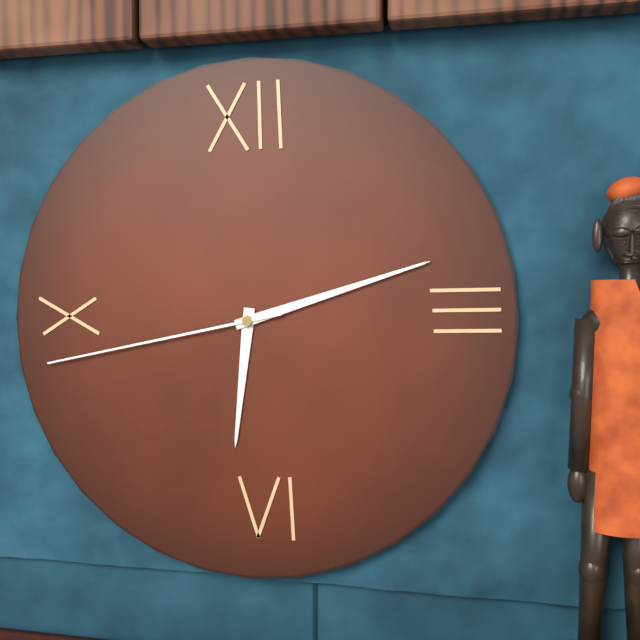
6:12:43
